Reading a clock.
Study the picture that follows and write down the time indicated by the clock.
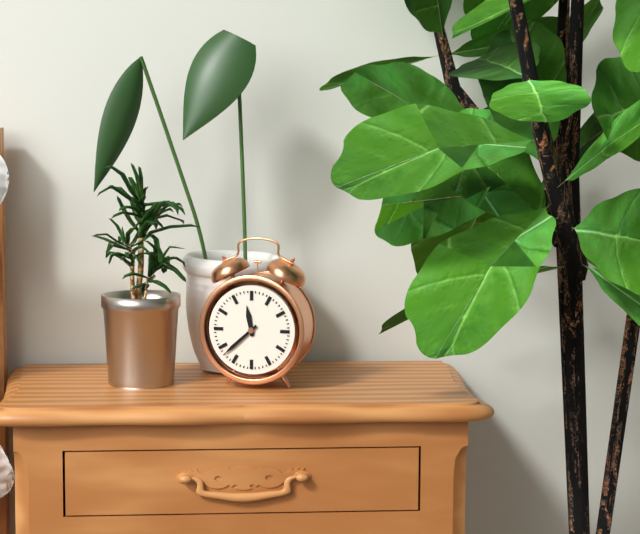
11:38
